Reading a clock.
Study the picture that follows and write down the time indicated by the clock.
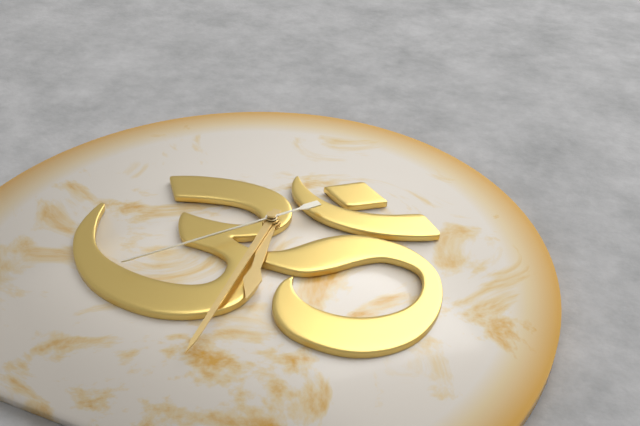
5:29:36
